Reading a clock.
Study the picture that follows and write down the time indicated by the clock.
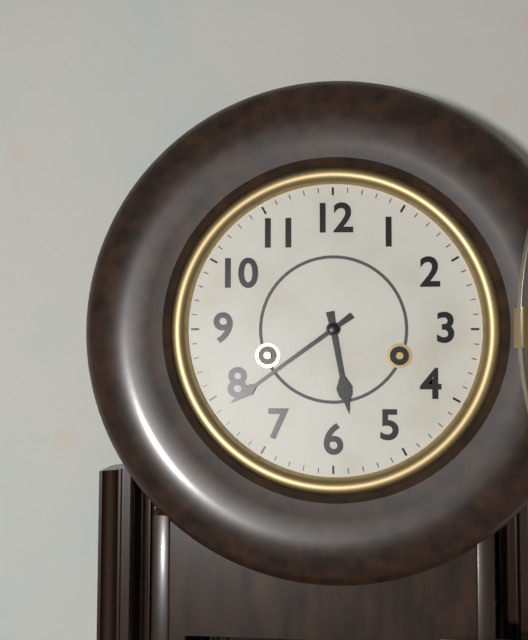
5:39
